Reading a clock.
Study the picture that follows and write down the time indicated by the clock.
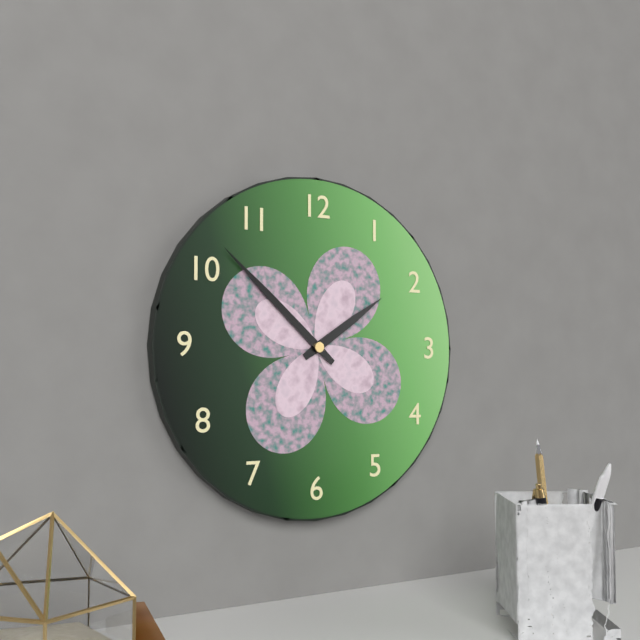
1:52
